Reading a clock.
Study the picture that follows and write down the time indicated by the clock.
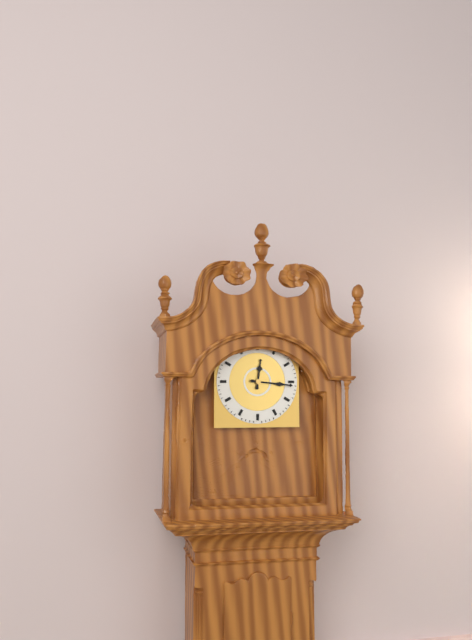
12:16
